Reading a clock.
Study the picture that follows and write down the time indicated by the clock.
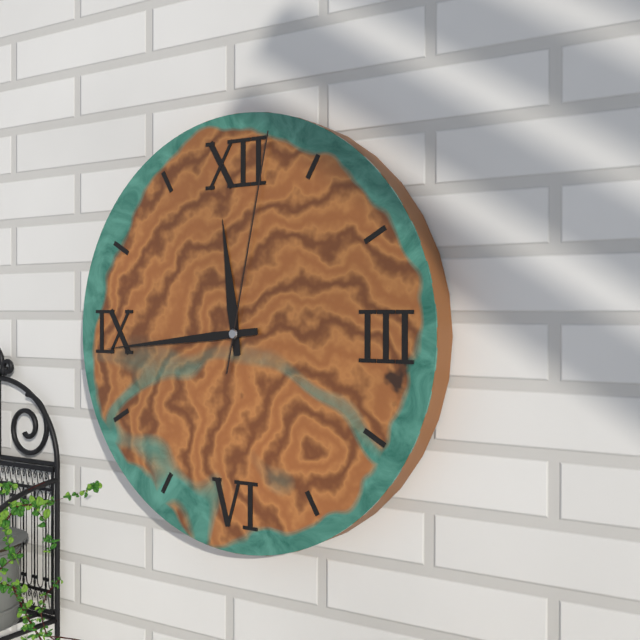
11:44:02
